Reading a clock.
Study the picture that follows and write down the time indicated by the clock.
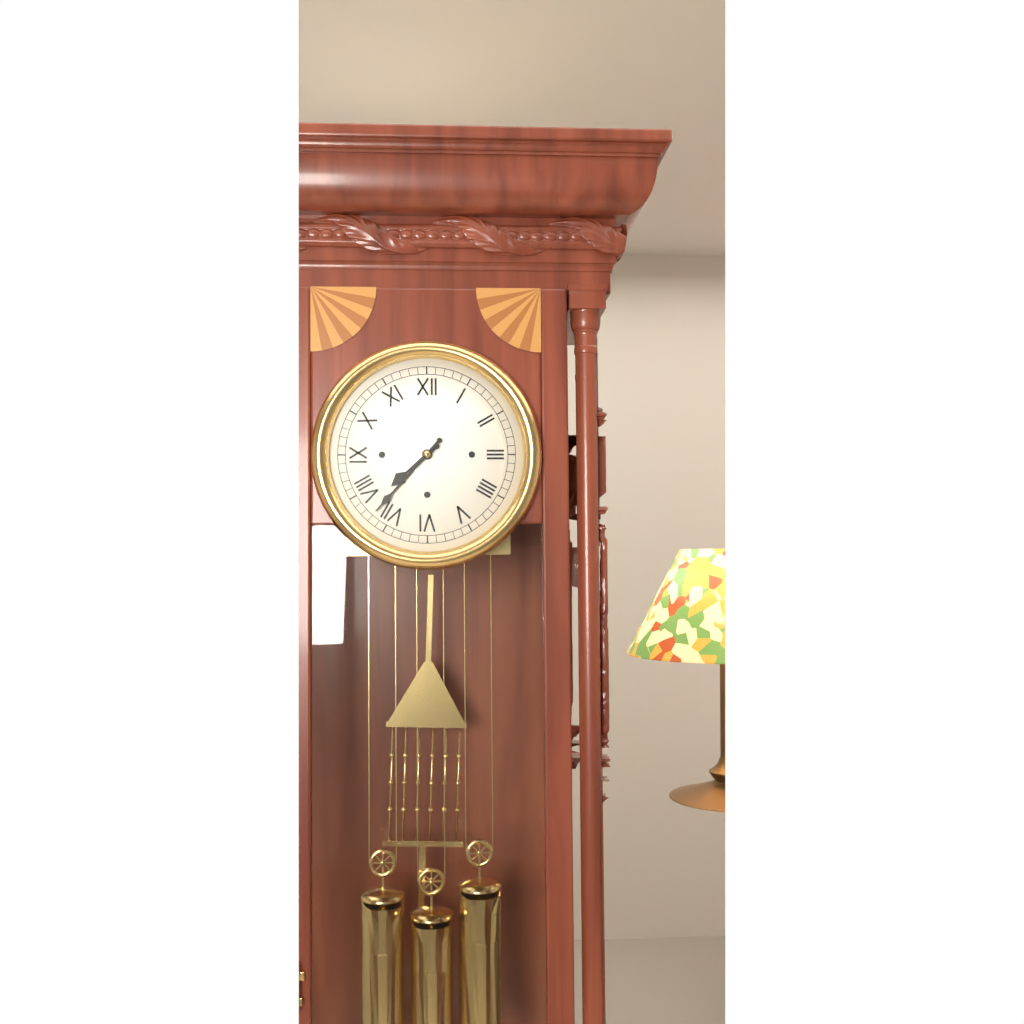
7:37
